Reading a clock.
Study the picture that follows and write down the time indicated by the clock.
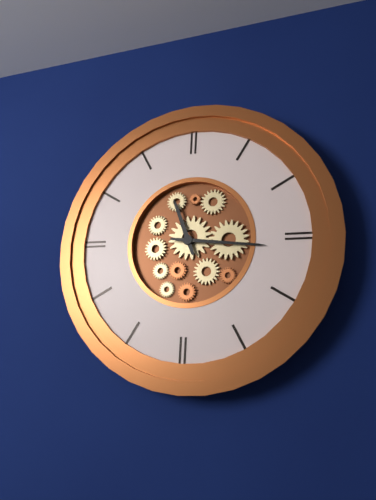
11:16
